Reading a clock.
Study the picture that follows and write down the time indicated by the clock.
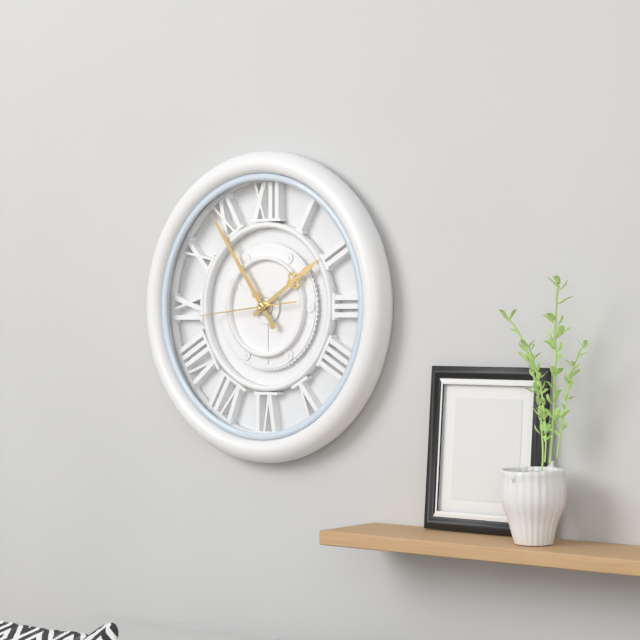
1:54:44
